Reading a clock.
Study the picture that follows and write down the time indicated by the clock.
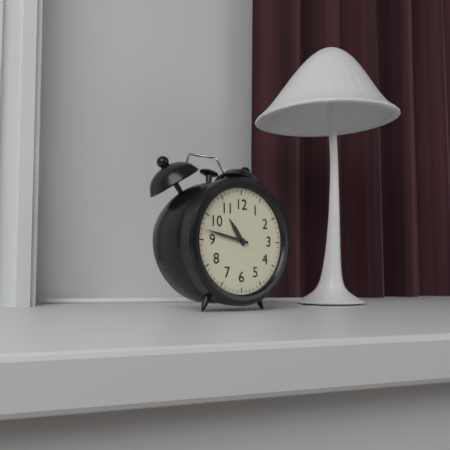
10:47
